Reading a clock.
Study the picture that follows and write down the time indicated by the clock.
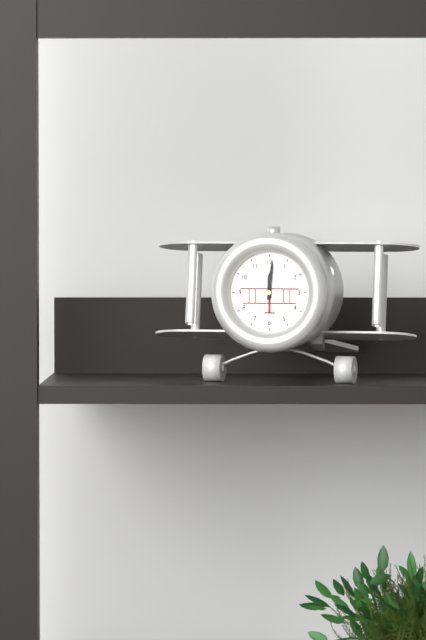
12:01
